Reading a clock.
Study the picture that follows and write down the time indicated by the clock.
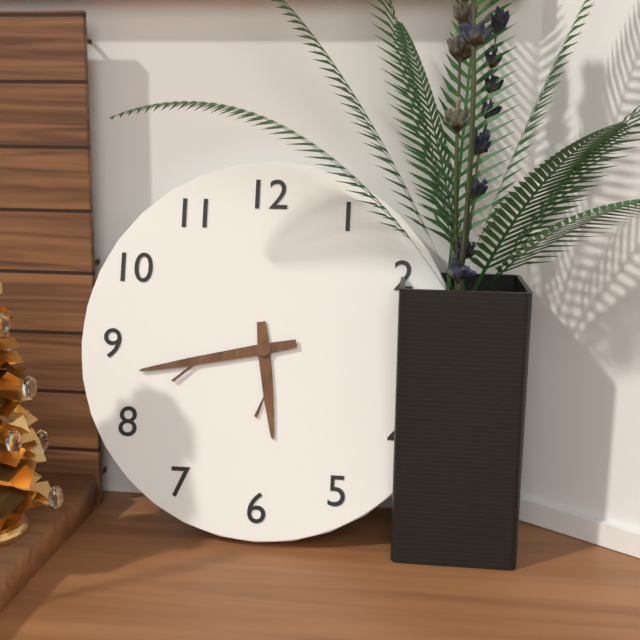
5:43
